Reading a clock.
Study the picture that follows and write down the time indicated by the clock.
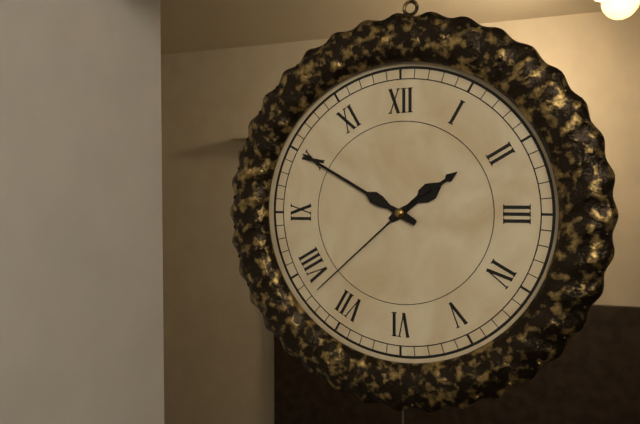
1:50:38
